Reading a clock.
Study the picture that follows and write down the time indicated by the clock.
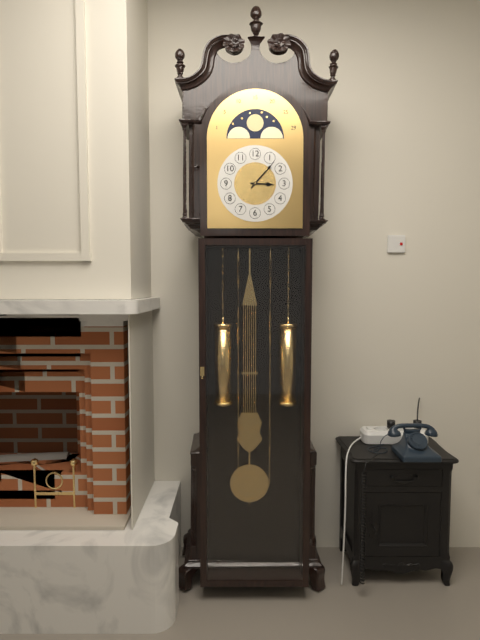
3:07
